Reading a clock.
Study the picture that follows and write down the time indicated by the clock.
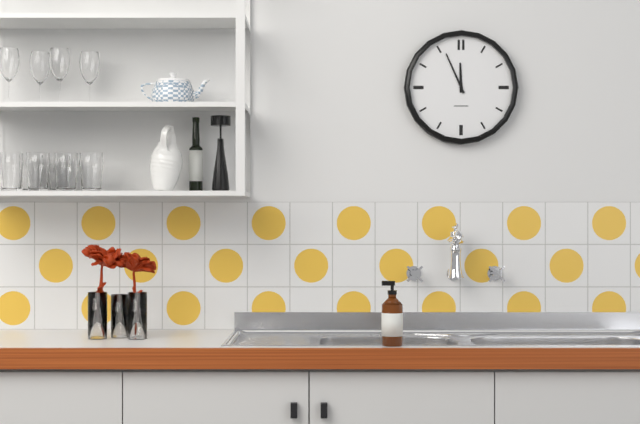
11:56
